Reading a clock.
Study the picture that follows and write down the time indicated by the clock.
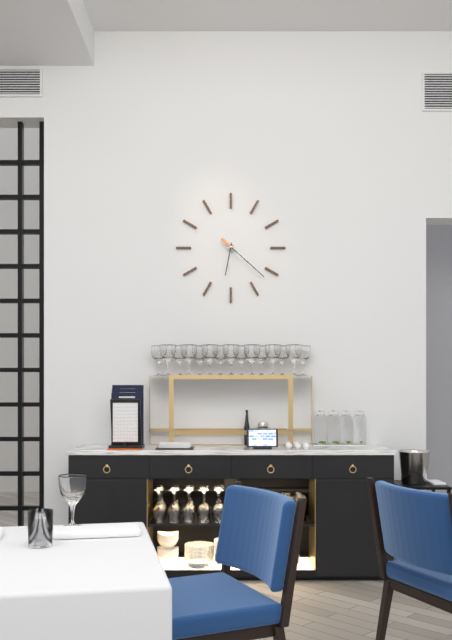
6:22
